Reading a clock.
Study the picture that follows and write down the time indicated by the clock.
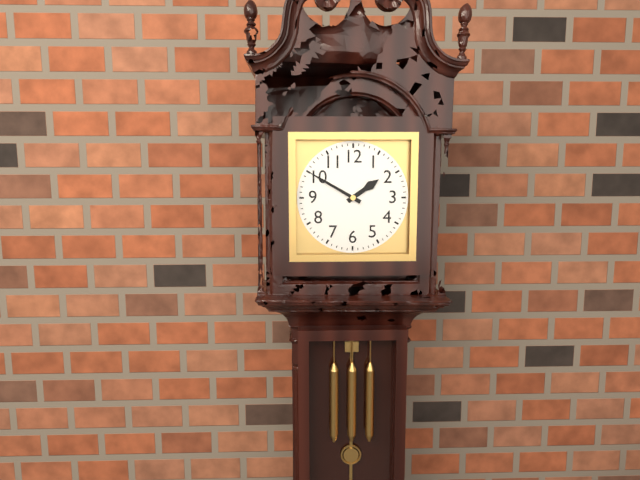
1:50
